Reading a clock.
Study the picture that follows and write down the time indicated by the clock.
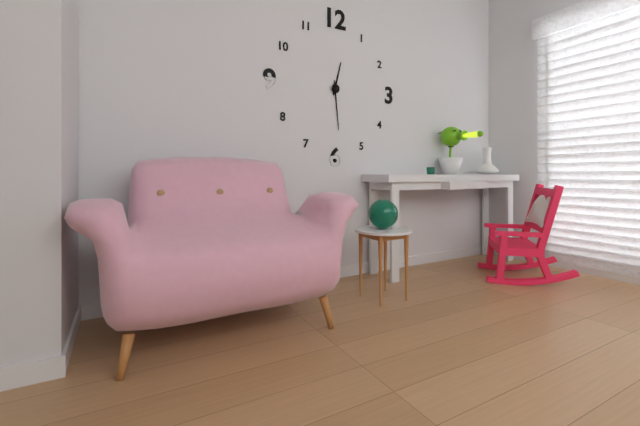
12:29
